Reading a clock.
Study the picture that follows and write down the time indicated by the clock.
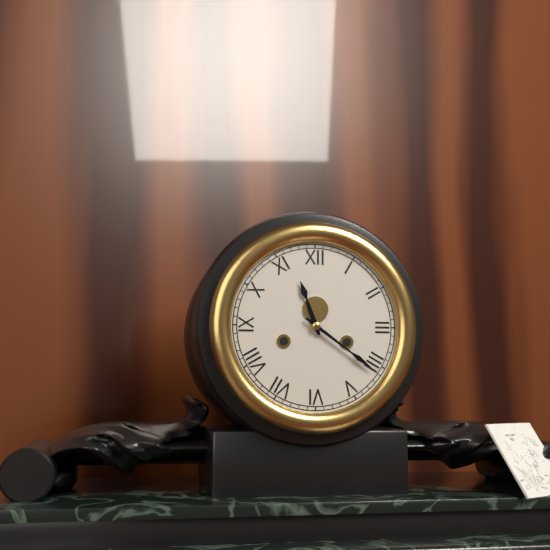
11:21
